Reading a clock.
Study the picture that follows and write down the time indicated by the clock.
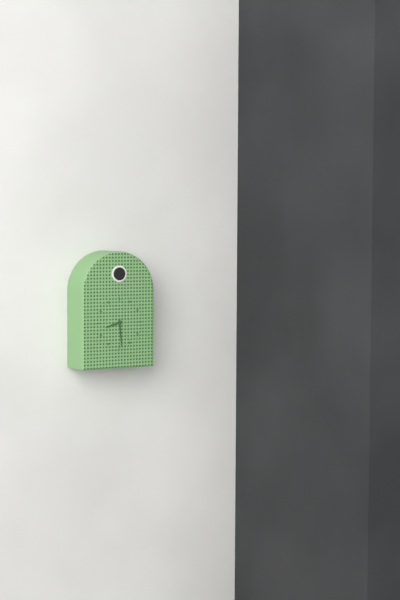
8:29
